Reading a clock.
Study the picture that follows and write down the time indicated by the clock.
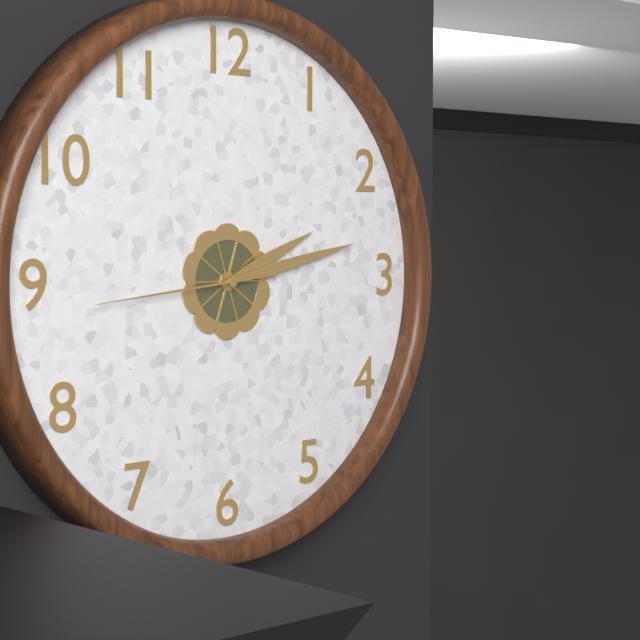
2:13:44
